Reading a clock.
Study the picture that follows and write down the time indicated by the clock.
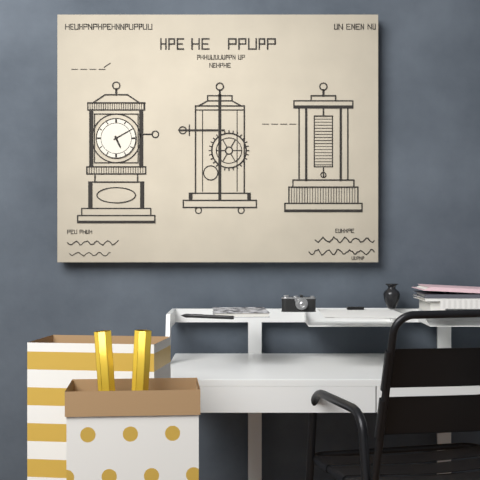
5:10
